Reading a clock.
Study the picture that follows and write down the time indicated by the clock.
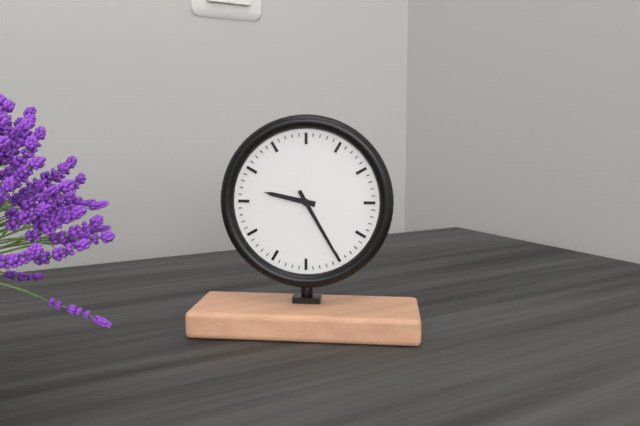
9:25
